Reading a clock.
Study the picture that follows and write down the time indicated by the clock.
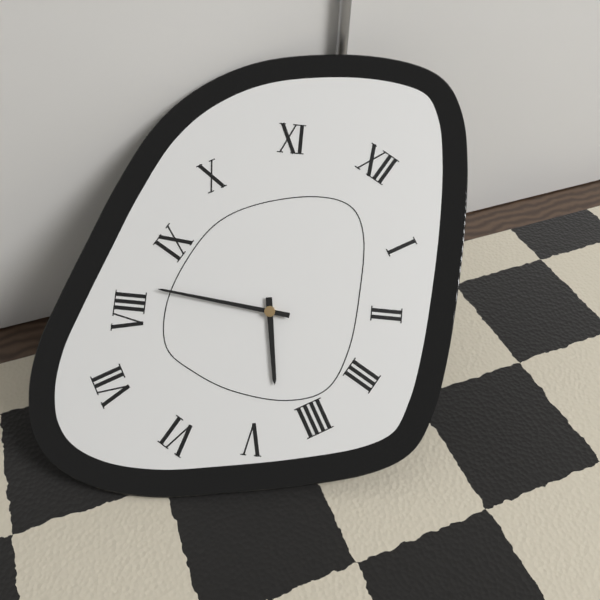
4:41
